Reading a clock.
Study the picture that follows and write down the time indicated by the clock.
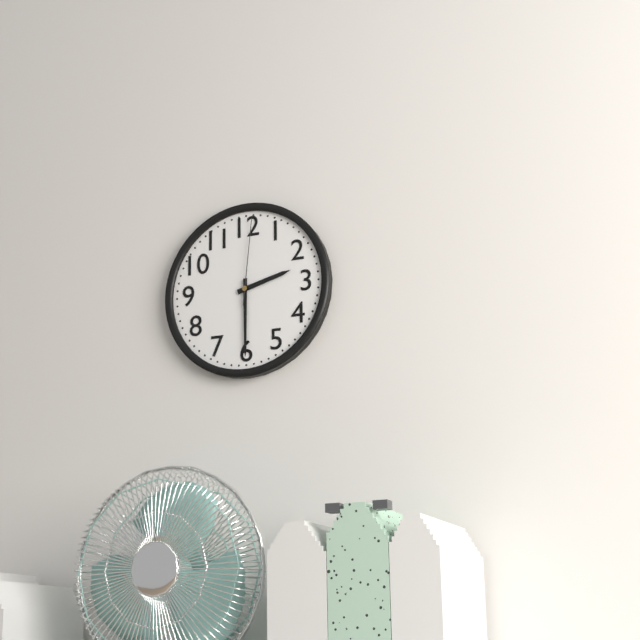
2:30:01
